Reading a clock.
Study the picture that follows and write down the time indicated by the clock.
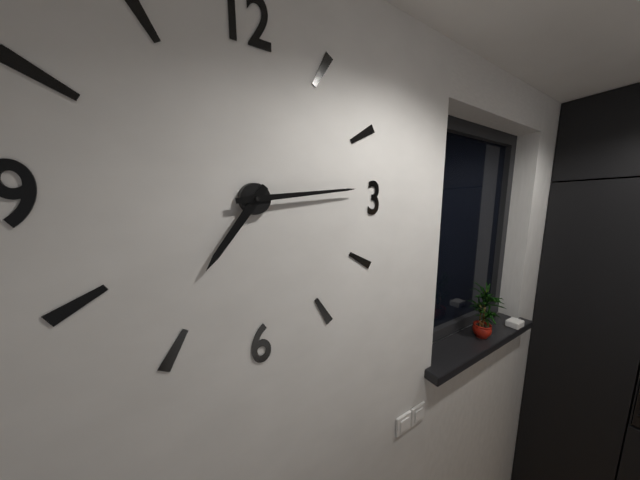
7:14
